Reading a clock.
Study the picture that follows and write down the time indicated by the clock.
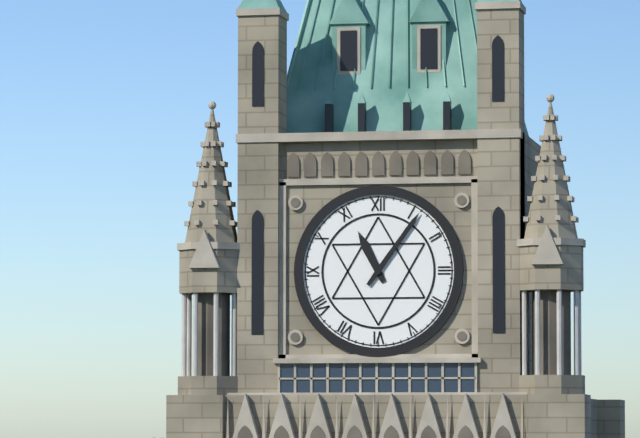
11:06
